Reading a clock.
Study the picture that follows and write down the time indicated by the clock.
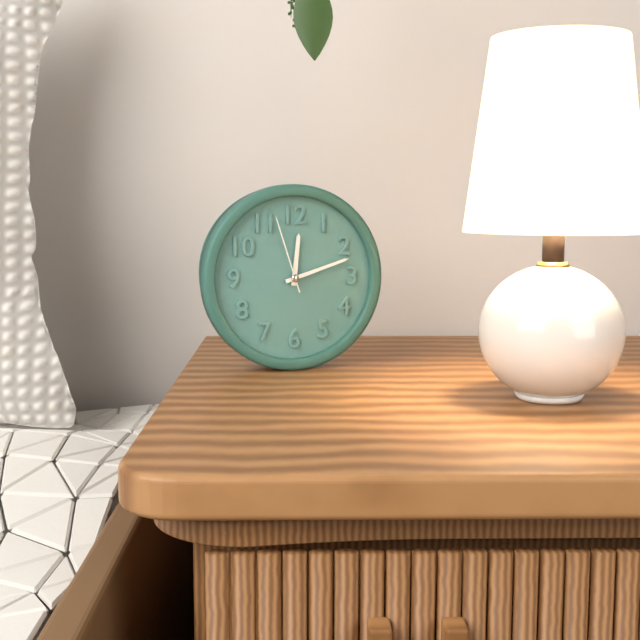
12:12:57
